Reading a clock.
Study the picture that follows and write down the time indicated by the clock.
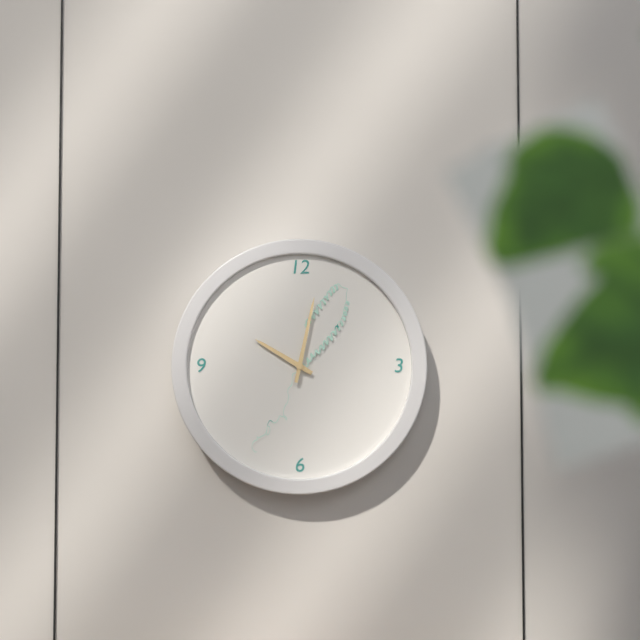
10:02
